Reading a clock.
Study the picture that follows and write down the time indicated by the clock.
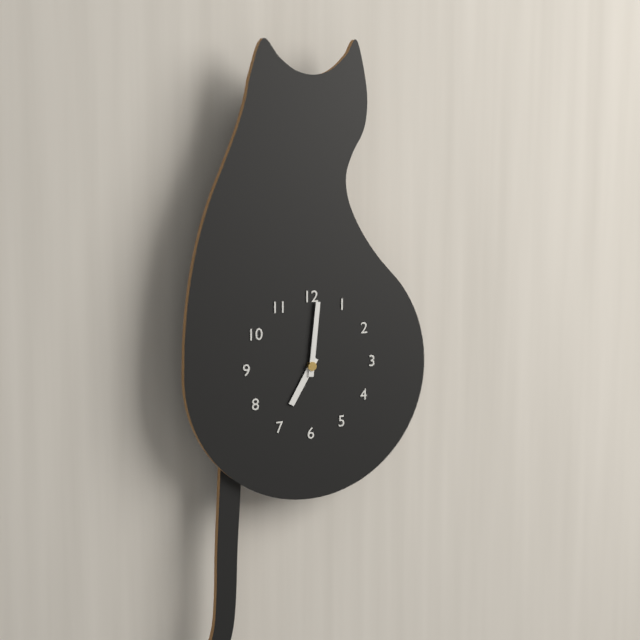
7:01
